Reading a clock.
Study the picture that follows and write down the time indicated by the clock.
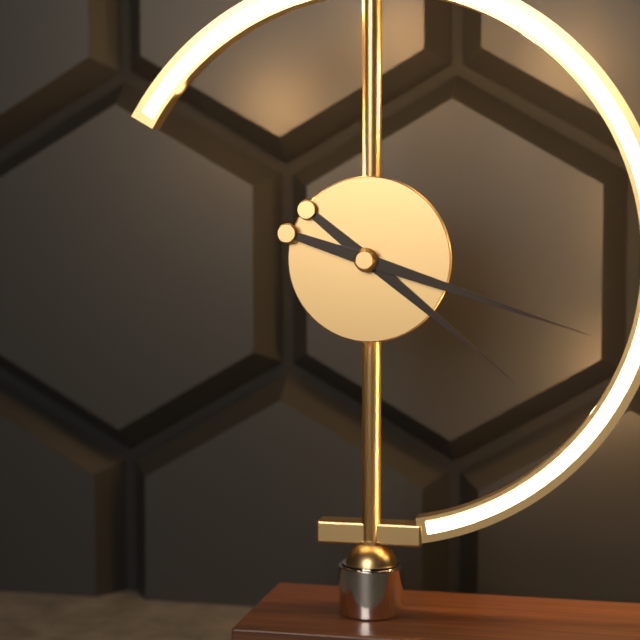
4:18
